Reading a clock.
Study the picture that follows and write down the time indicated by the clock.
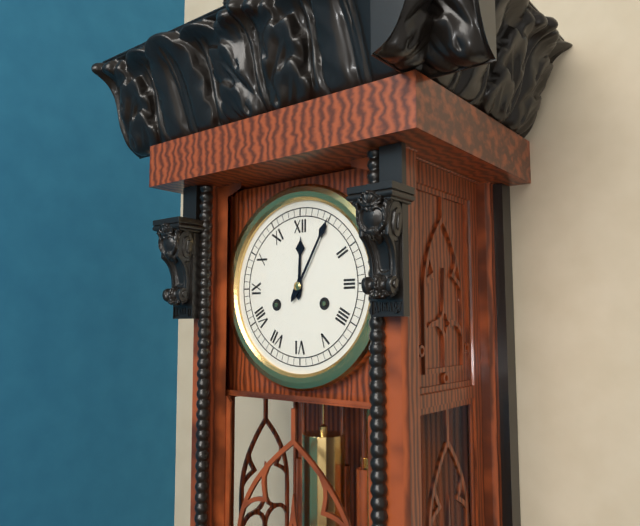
12:05
